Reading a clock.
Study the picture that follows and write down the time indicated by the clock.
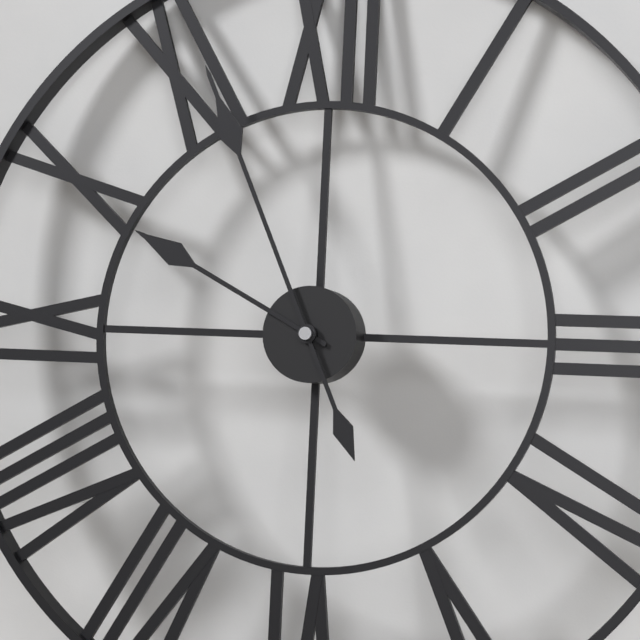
9:56
